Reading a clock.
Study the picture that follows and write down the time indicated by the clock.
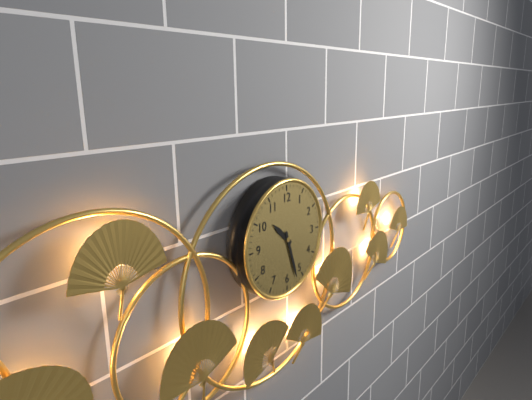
10:27
